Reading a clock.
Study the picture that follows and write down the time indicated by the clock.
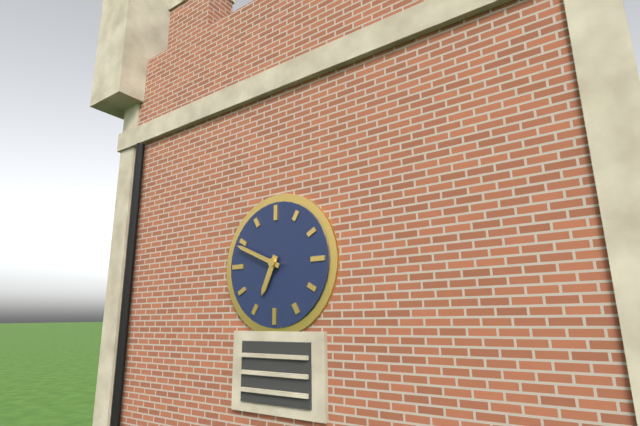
6:49
